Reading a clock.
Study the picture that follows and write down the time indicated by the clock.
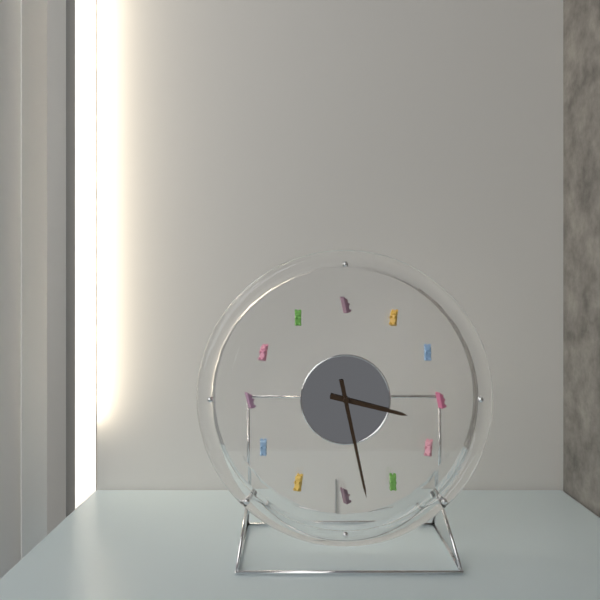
3:28
